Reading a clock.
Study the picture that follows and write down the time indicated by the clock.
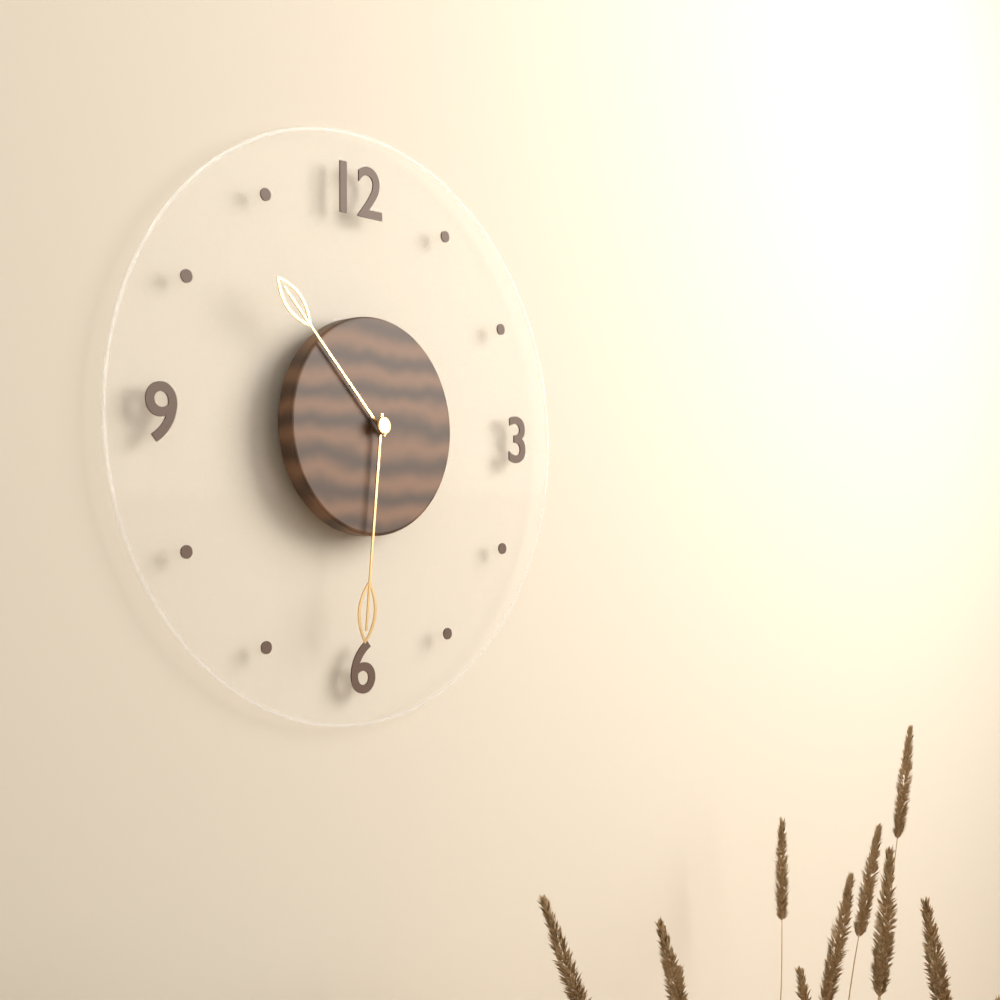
10:31
